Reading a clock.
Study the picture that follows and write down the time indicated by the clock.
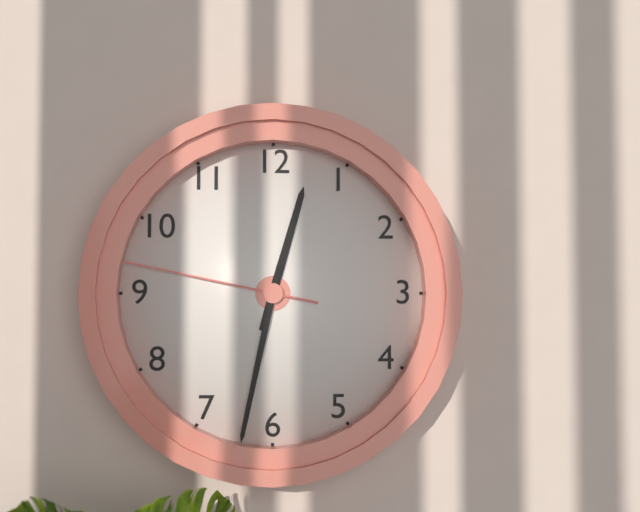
12:32:47
